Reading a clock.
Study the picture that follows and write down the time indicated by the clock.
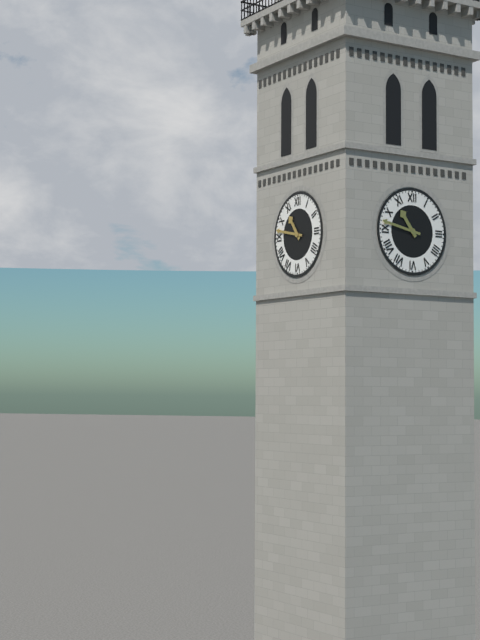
10:47
